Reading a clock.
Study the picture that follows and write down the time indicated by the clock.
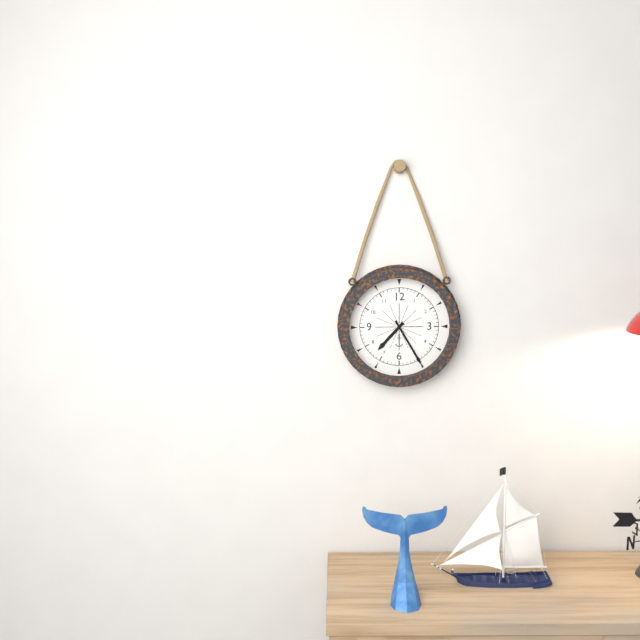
7:25
